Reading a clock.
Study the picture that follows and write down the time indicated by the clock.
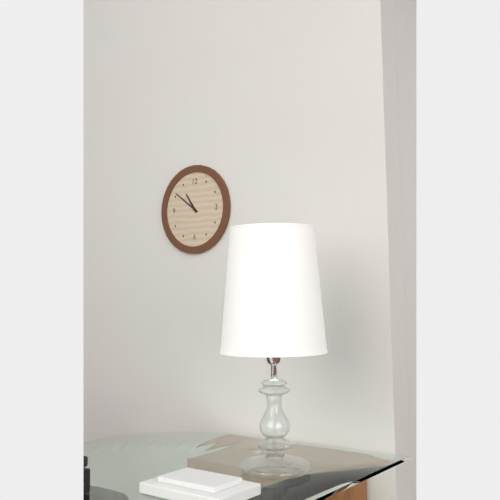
10:51
